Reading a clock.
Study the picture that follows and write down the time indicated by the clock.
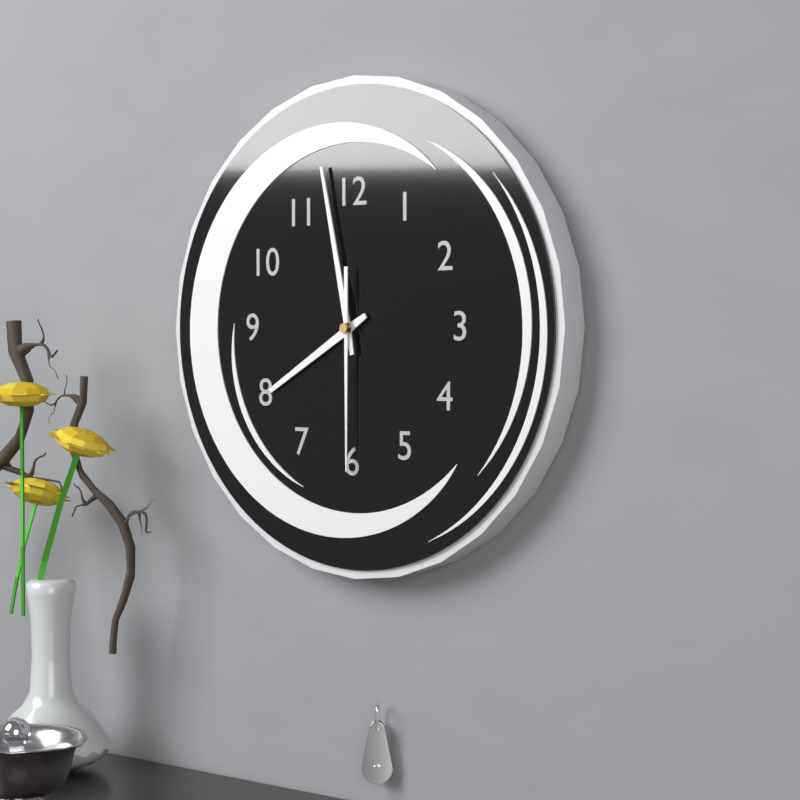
7:58:30
